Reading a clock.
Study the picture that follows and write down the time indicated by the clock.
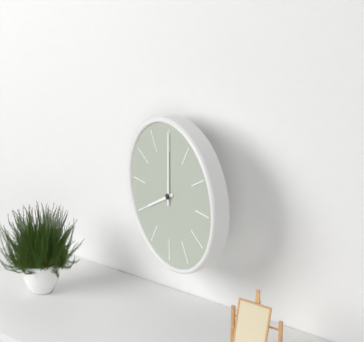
8:00
